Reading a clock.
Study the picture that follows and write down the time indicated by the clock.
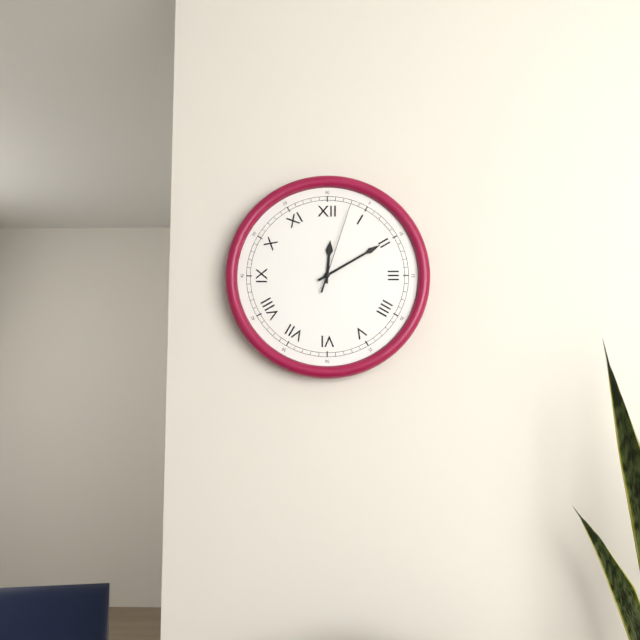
12:10:03
